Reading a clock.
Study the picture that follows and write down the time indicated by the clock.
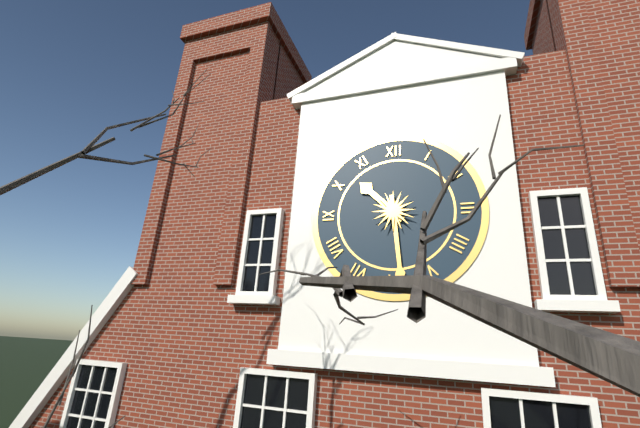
10:29
